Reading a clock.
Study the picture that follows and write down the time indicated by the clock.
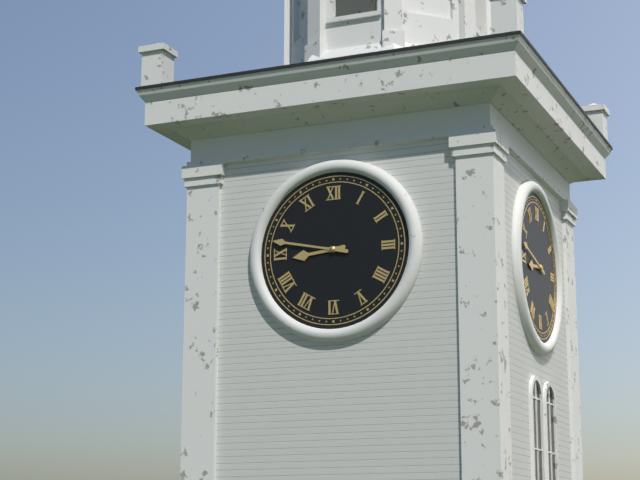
8:47
